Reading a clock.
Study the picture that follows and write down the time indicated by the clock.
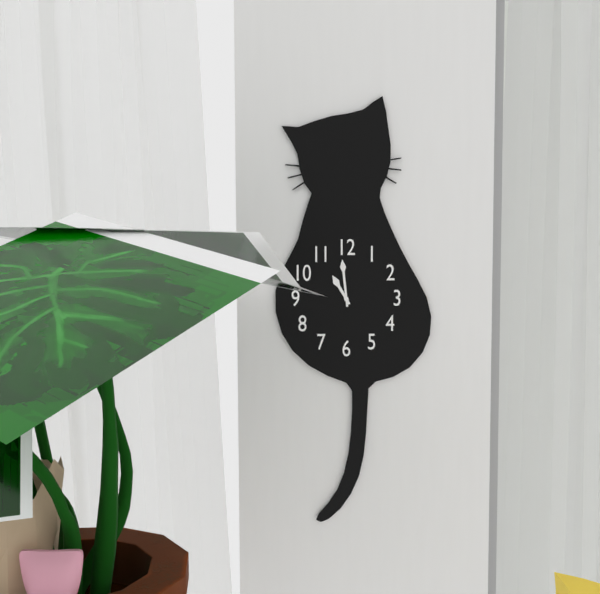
10:59
